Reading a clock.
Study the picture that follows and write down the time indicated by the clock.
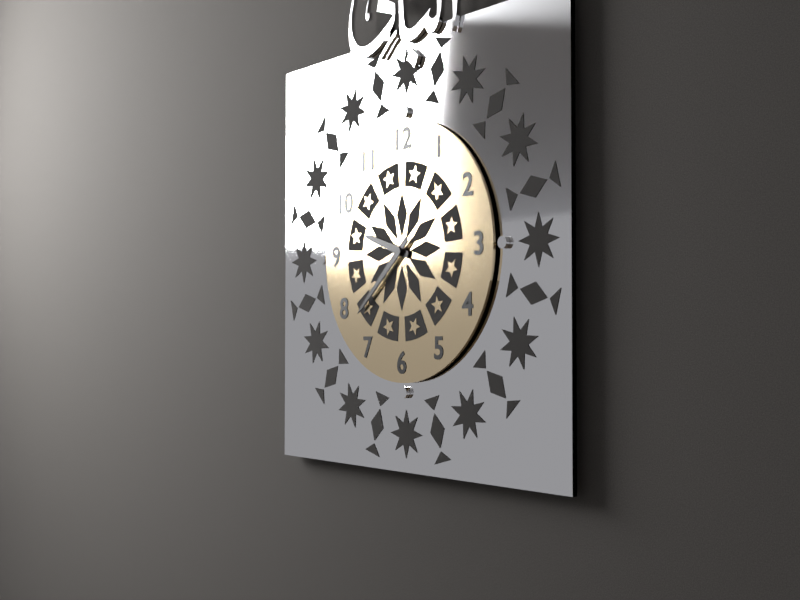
9:38
